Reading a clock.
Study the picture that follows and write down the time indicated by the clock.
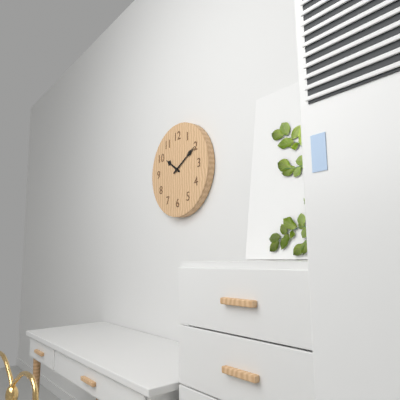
10:10
